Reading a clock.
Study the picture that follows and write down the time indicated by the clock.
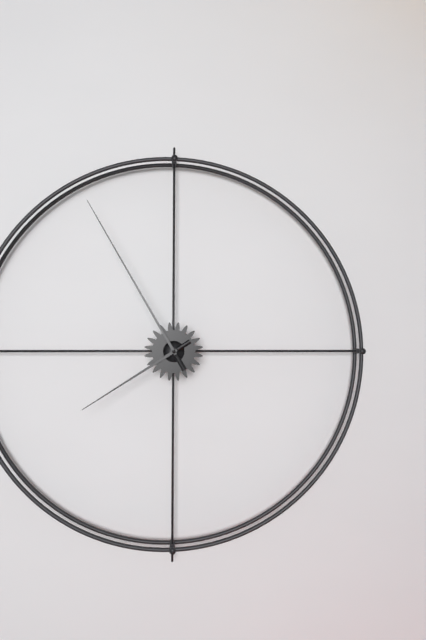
7:55
